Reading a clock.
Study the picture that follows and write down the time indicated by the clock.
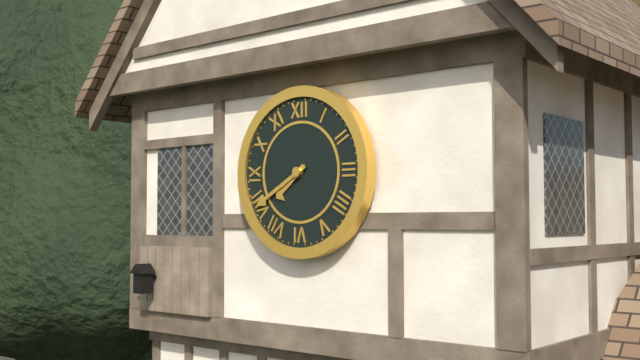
7:40
